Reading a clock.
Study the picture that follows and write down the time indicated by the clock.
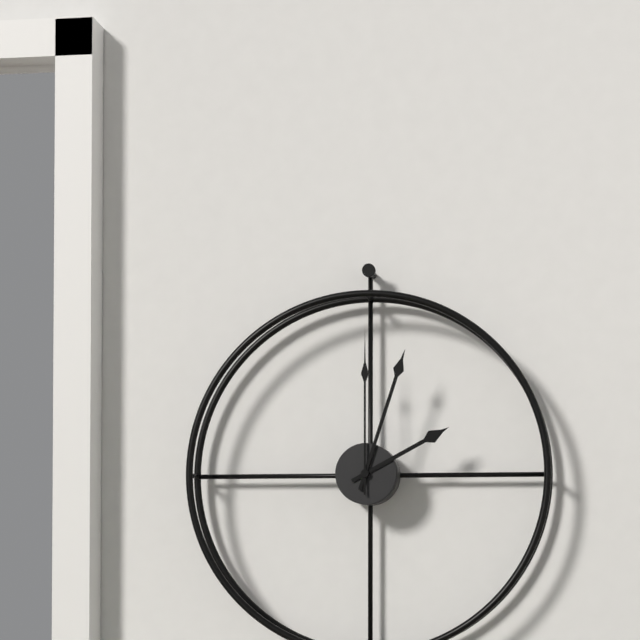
2:03:00
